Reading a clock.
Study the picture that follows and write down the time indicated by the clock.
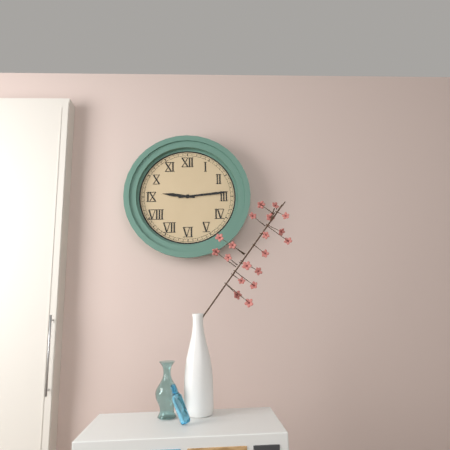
9:14
